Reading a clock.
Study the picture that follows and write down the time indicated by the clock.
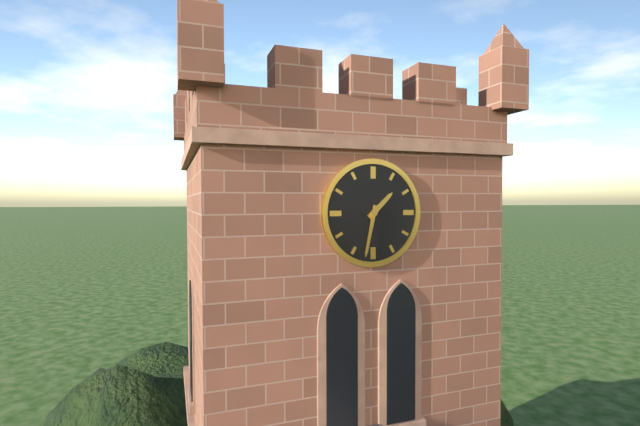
1:32
